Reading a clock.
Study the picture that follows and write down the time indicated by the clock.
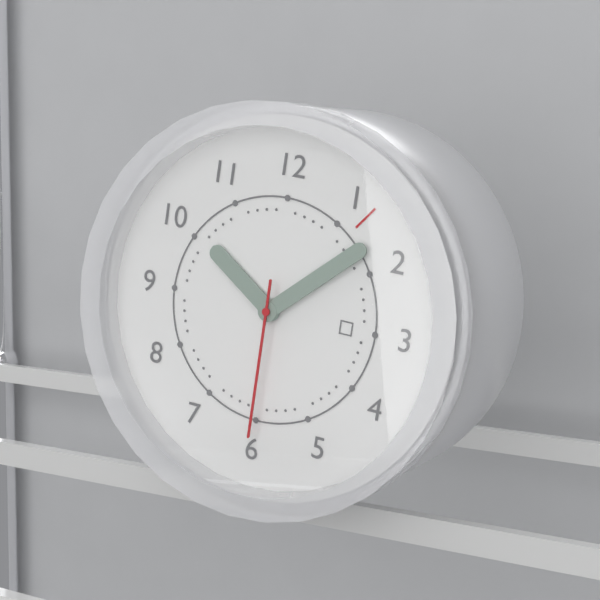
10:08:30
